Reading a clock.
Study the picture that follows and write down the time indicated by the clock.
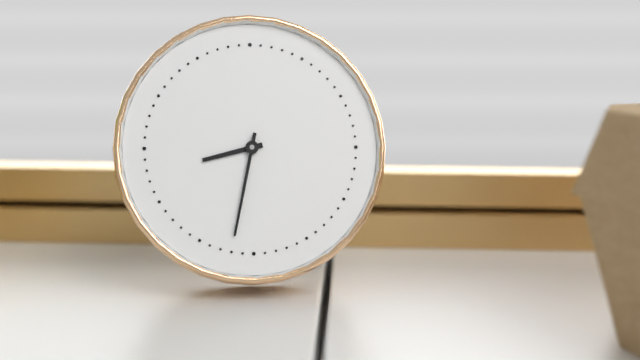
8:32
